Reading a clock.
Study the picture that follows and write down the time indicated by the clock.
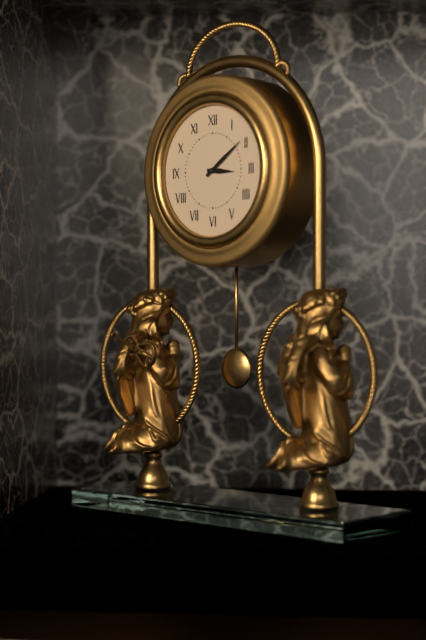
3:09
